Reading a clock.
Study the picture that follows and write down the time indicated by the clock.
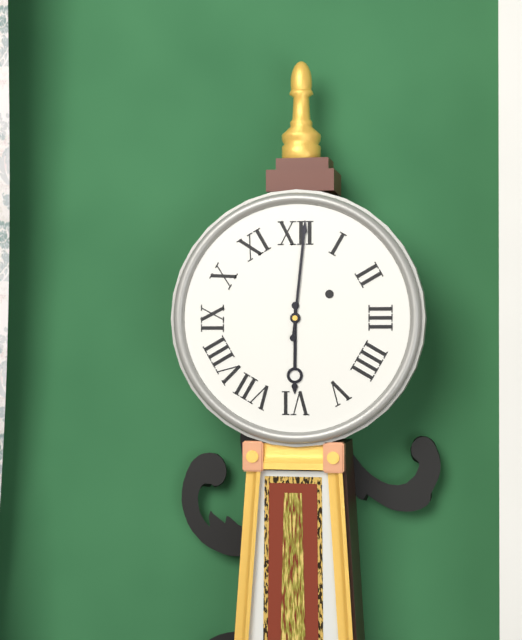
6:01
